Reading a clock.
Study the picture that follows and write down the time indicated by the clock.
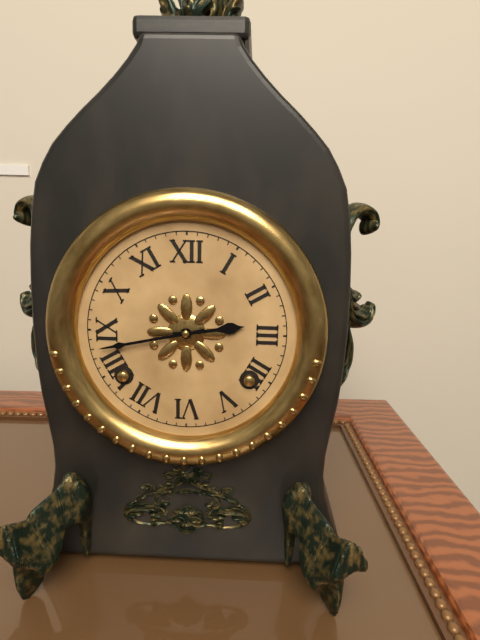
2:43
